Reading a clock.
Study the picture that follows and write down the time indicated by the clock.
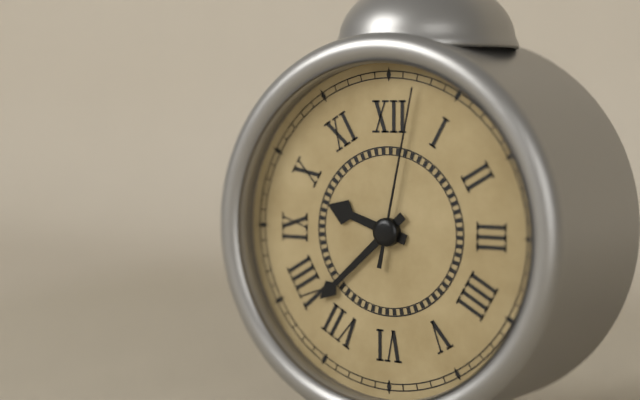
9:38:02
